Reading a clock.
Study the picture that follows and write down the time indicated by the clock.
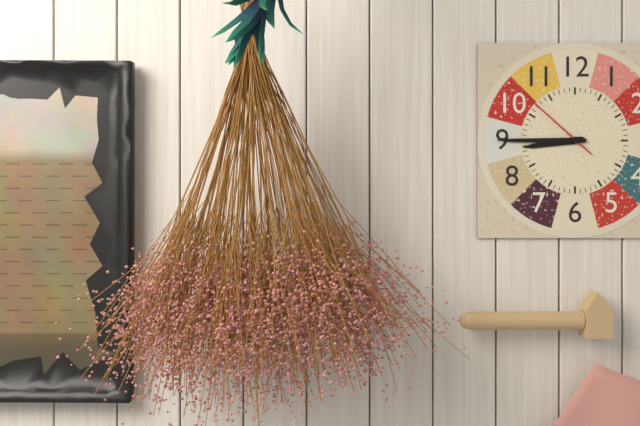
8:45:52
